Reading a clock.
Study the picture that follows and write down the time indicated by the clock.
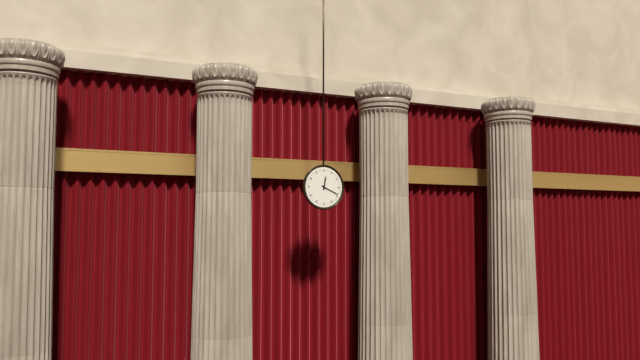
12:19
